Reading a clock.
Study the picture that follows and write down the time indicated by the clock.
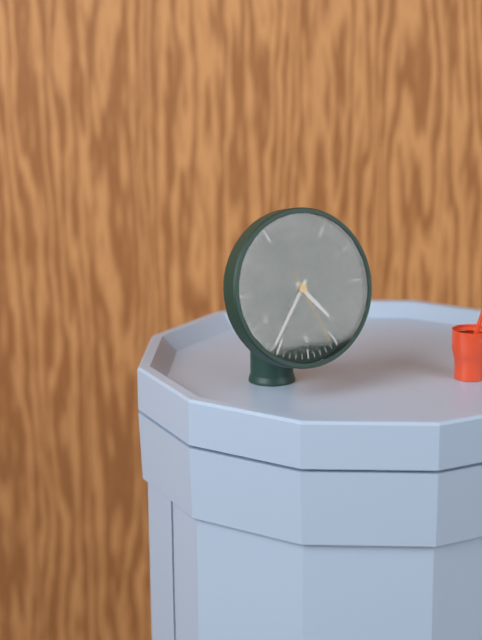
4:36:26
